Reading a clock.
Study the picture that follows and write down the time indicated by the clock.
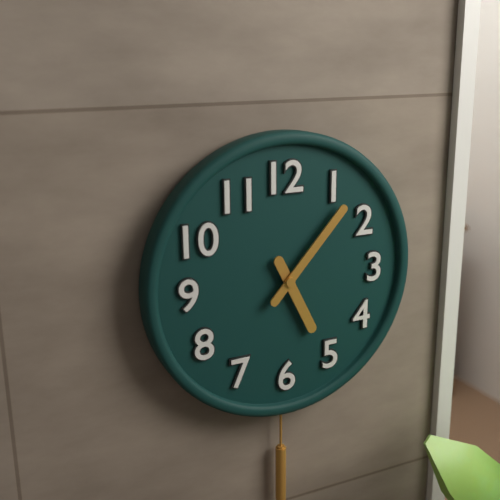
5:07
